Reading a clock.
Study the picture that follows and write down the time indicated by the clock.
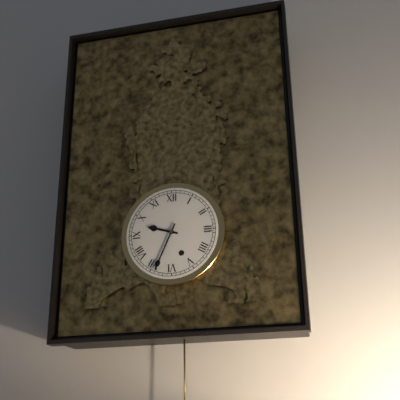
9:34
